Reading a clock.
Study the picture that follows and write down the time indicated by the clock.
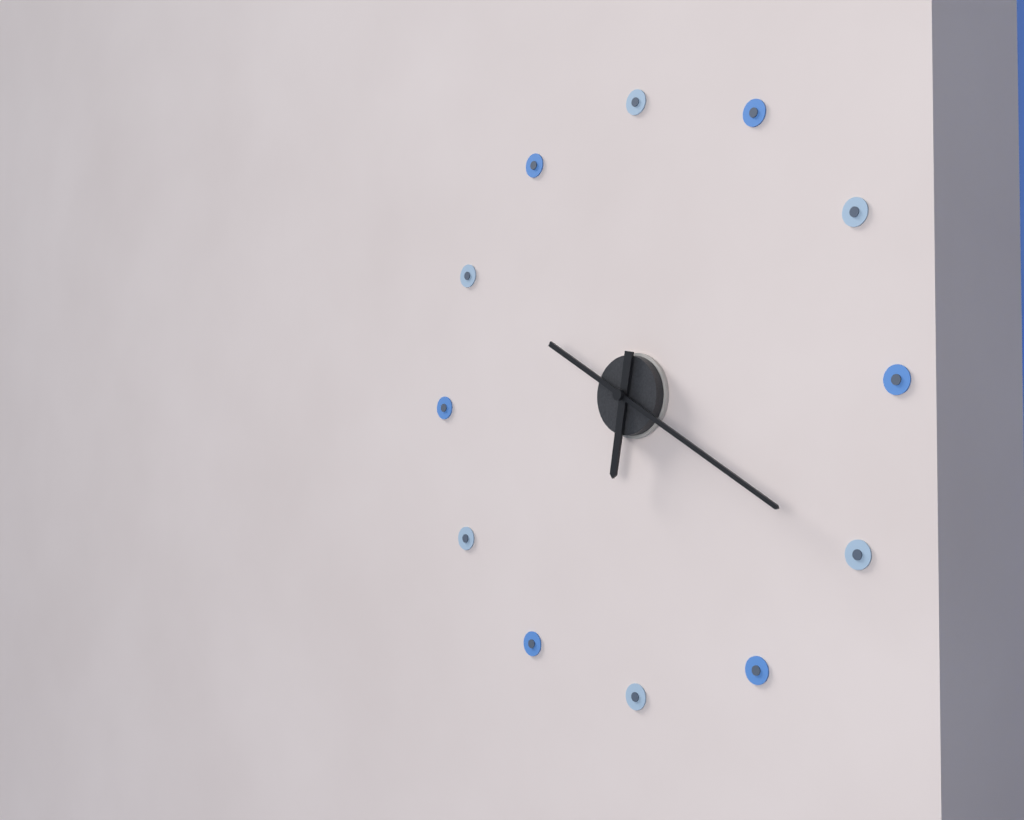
6:20
